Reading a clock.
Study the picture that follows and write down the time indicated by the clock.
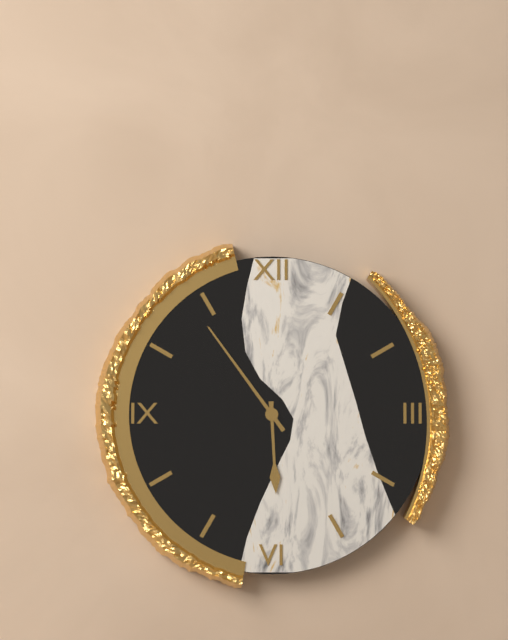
5:54
